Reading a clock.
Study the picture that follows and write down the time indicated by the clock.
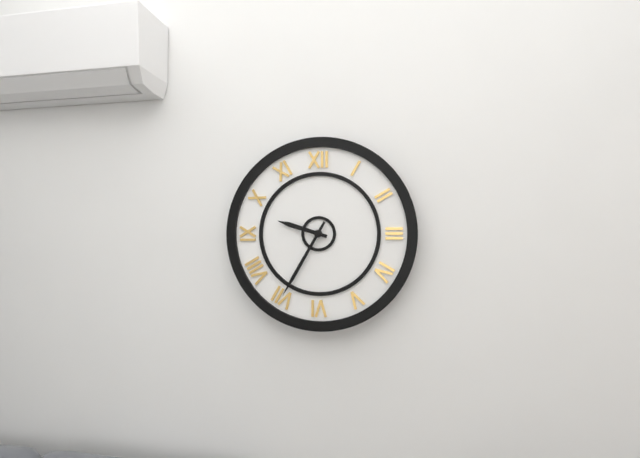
9:35
